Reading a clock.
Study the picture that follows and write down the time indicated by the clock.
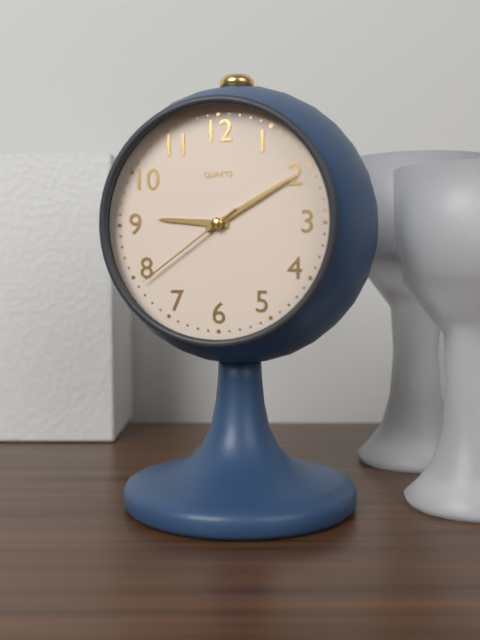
9:10:39
